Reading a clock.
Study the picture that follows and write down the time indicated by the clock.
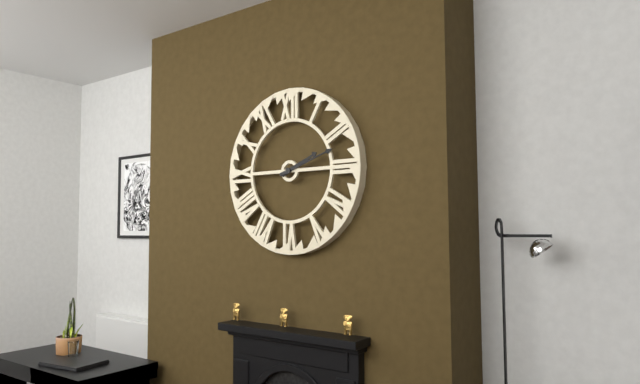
2:12
